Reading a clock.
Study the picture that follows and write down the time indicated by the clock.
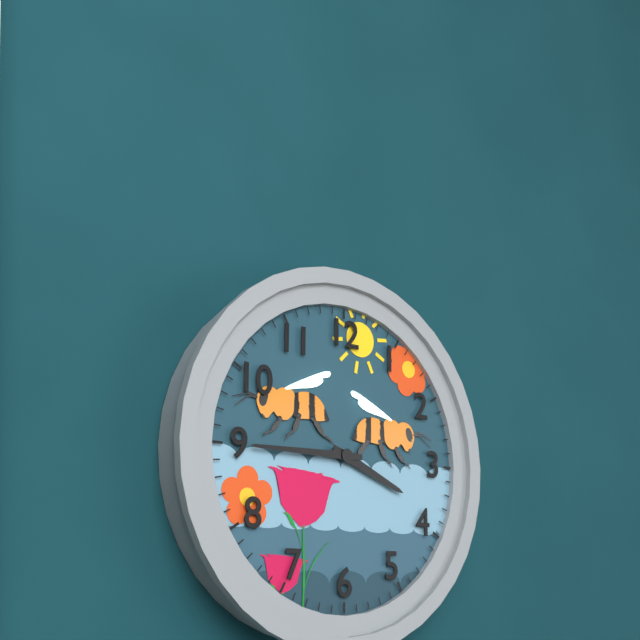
3:45
